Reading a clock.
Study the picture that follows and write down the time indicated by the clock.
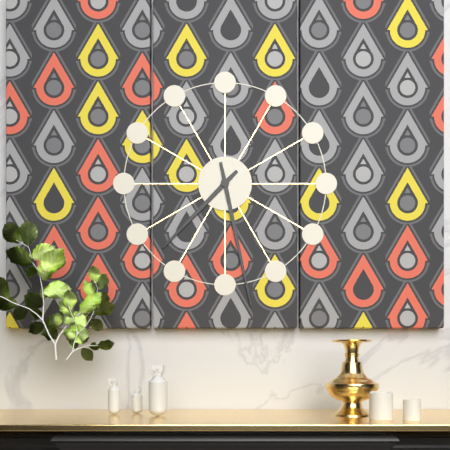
7:28
